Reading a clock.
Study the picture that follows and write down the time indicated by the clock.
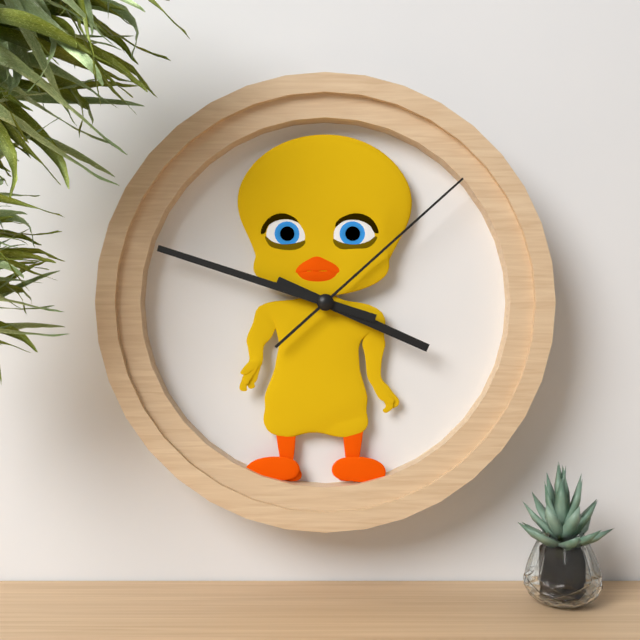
3:48:08
